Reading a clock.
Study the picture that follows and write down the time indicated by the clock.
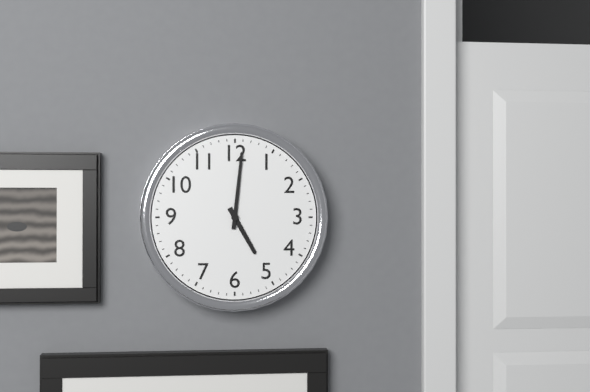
5:01
